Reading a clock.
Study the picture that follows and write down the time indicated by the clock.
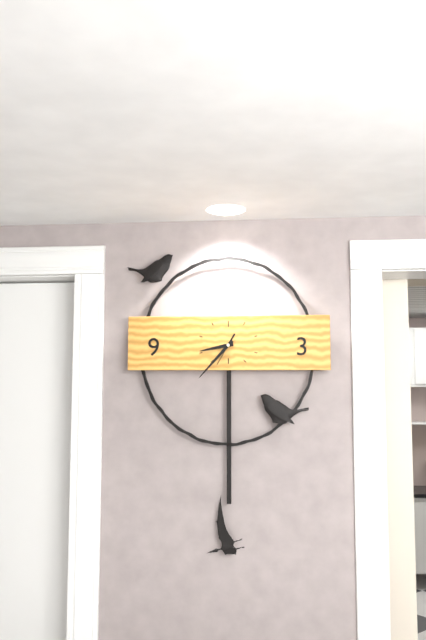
8:37
